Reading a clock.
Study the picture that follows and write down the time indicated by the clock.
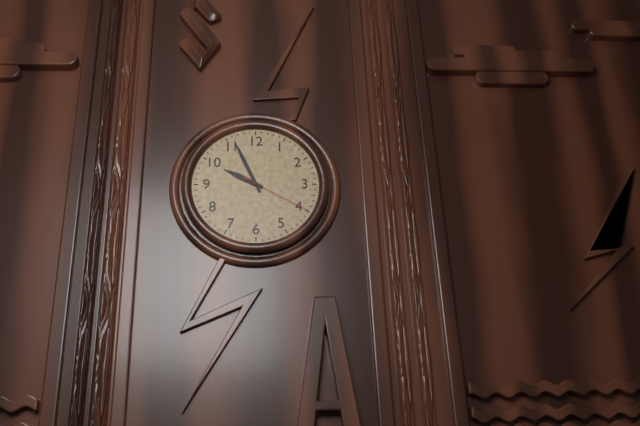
9:56:20
